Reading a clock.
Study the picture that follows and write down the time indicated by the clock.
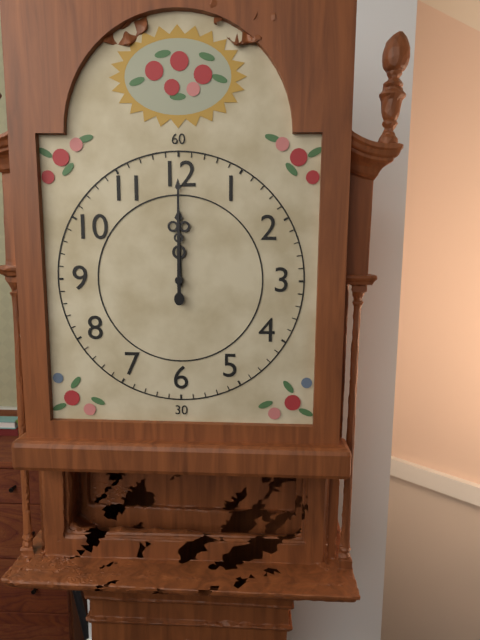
12:00
